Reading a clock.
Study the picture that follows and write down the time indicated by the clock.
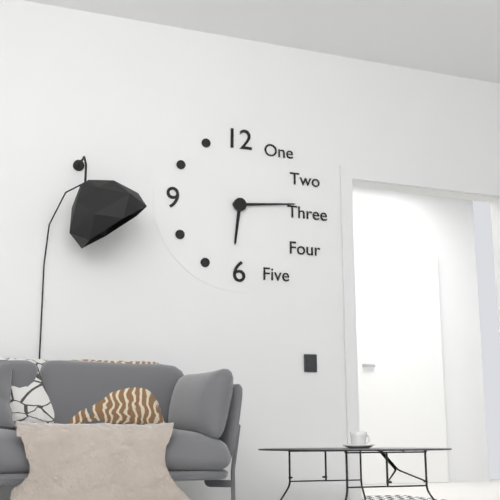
6:14
